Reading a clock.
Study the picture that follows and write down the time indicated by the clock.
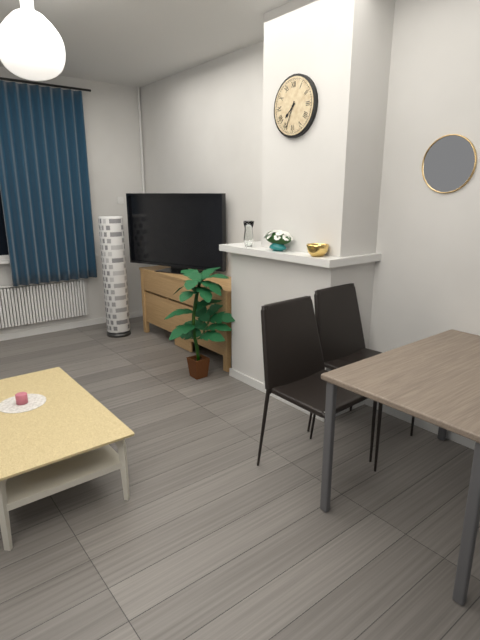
7:34
